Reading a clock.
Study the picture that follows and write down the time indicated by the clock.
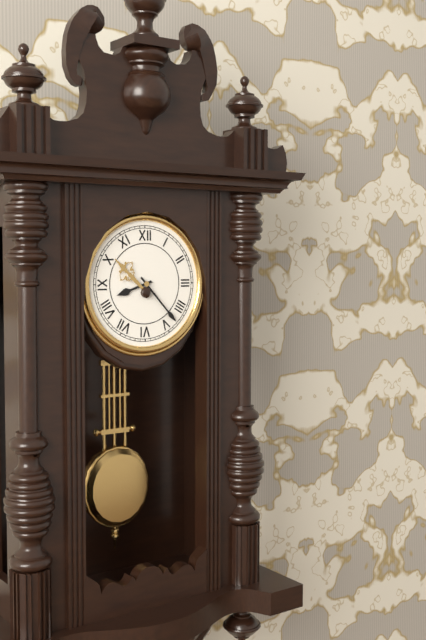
8:23
